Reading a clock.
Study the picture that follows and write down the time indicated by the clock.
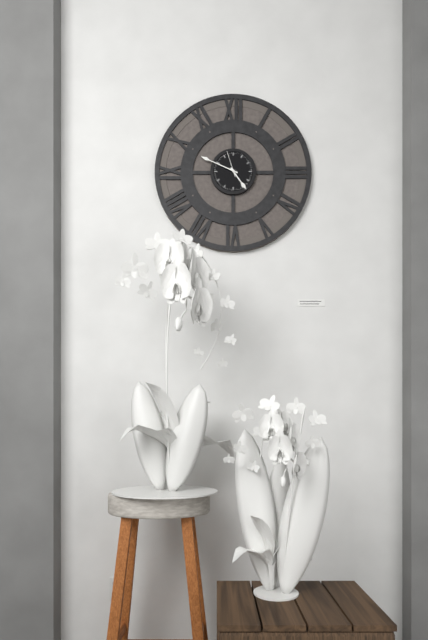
4:49
